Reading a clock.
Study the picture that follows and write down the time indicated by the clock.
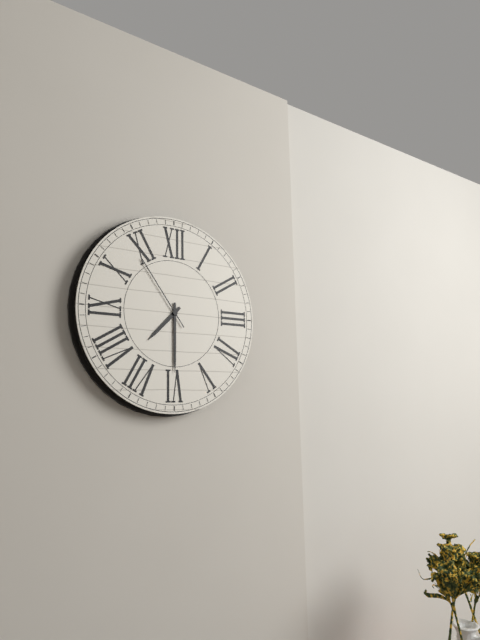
7:30:54
